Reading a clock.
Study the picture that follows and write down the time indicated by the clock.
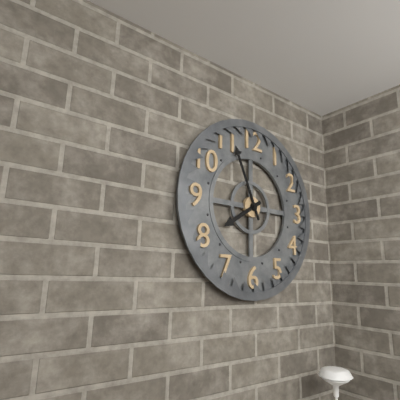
7:56
